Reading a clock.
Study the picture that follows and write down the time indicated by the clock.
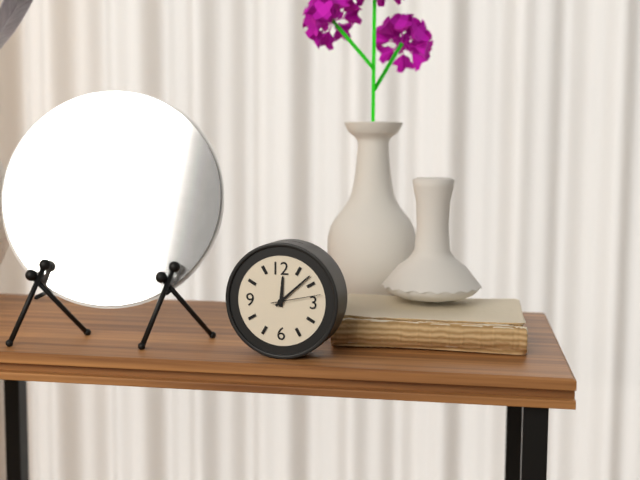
12:08:13
